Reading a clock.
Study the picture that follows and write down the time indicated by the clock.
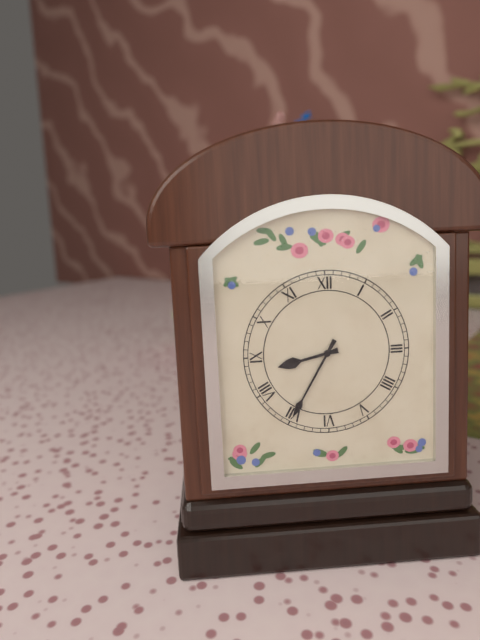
8:35
